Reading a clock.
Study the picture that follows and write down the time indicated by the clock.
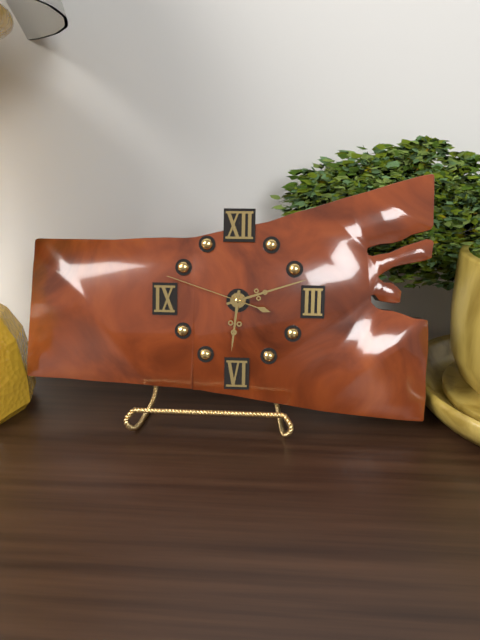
6:12:48
